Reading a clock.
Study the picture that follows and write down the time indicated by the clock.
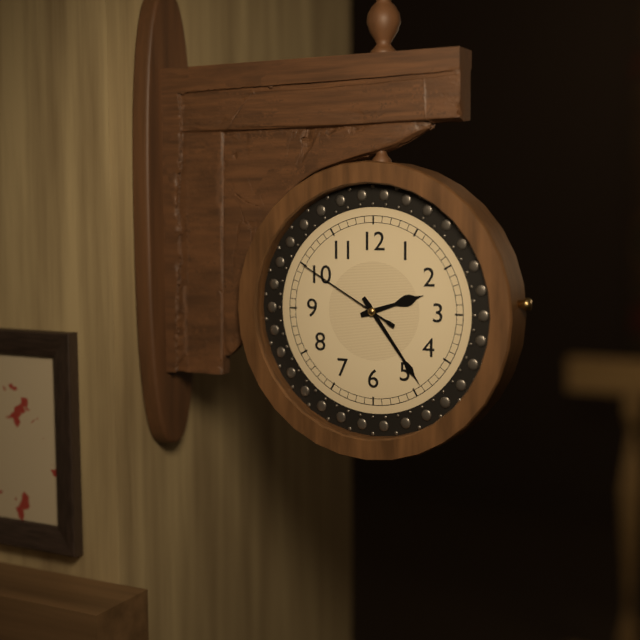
2:24:50
